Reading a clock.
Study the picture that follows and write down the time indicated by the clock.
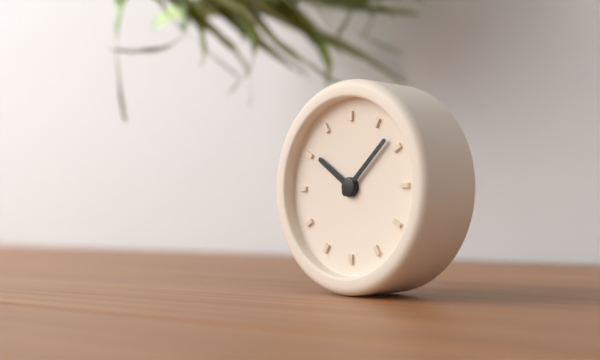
10:08
